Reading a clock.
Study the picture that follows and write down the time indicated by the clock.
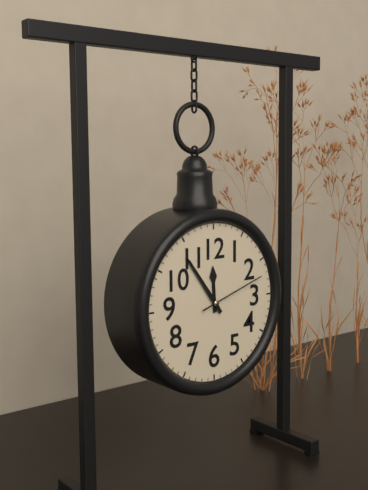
11:54:12
